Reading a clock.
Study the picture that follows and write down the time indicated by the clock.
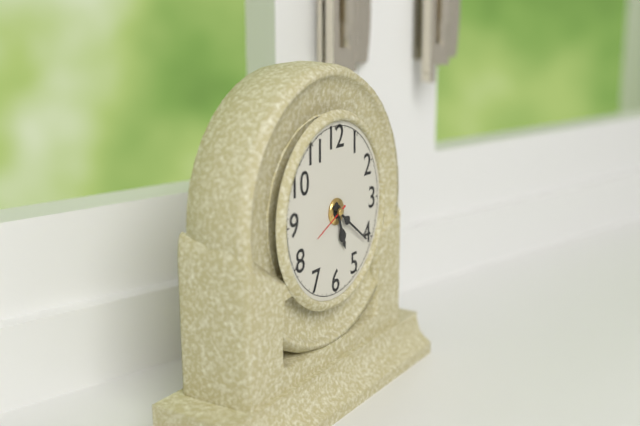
5:21
